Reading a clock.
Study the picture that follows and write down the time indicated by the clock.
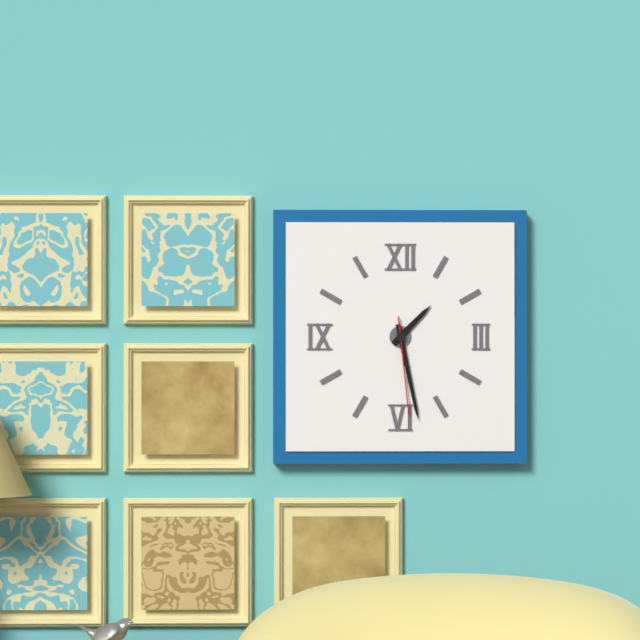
1:28:29
